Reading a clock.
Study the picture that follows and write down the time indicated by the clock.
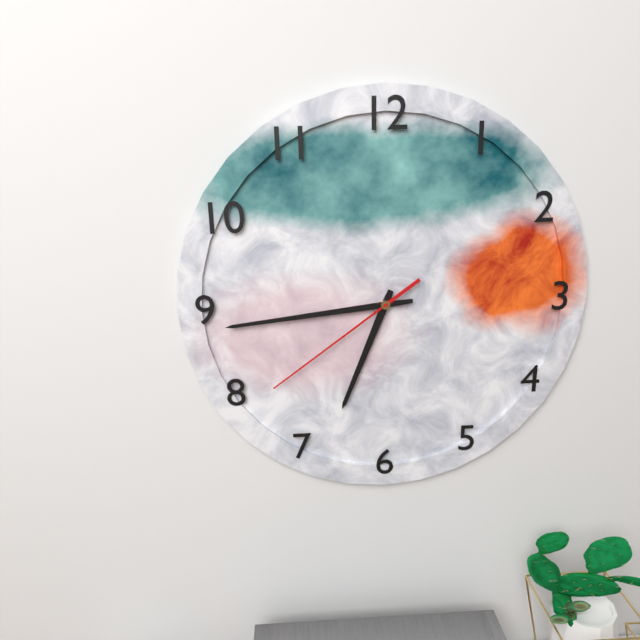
6:44:39
